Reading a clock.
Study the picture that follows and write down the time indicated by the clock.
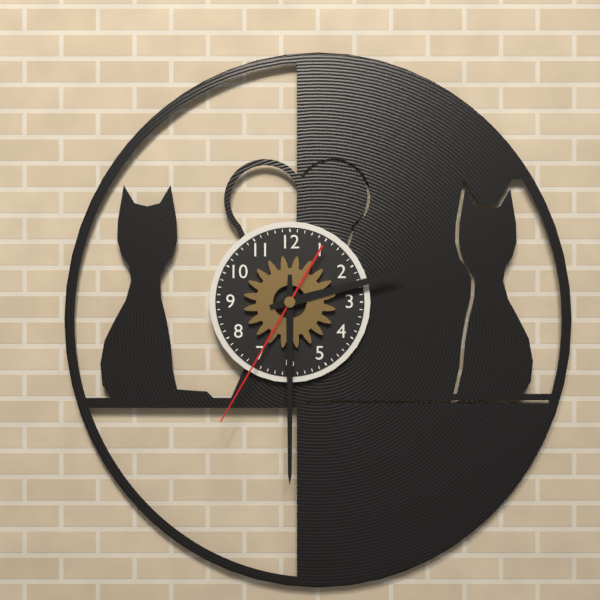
2:30:35
